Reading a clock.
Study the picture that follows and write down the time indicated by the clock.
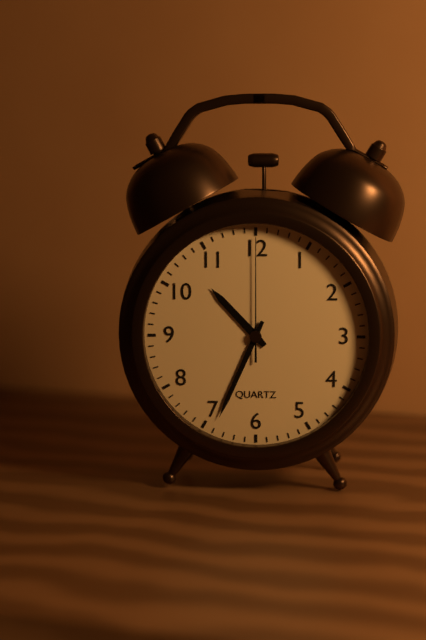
10:34:00
